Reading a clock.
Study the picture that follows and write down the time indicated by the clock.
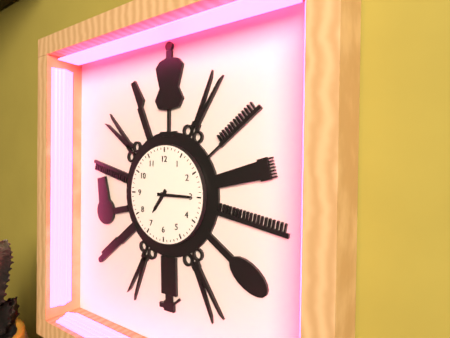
7:15
